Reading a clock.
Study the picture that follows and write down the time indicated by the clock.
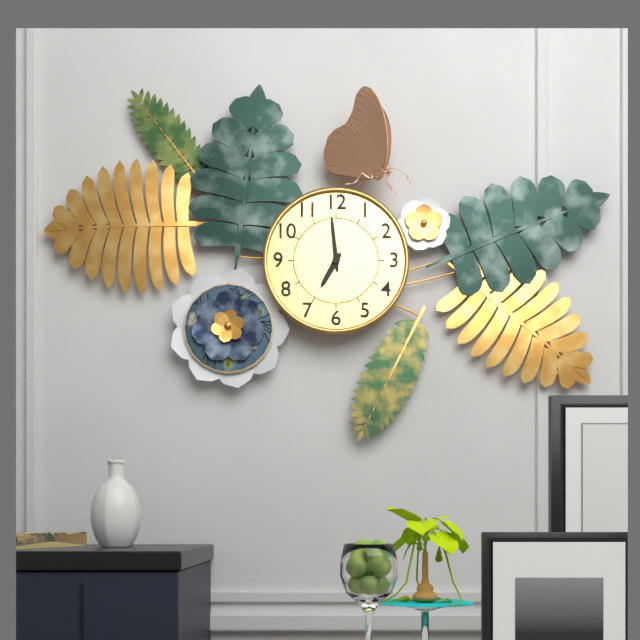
6:59
